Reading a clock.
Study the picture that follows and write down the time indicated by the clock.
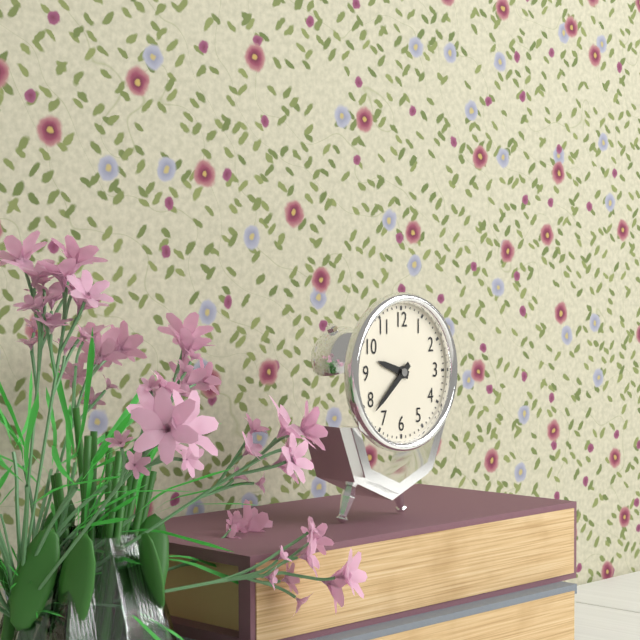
9:38
